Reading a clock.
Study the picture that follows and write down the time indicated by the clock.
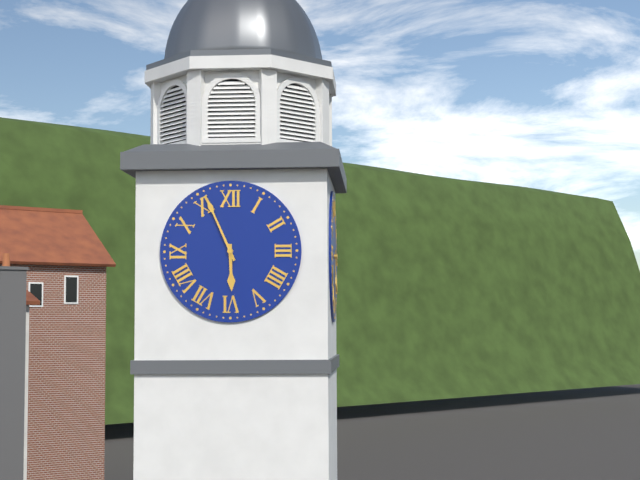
5:56
